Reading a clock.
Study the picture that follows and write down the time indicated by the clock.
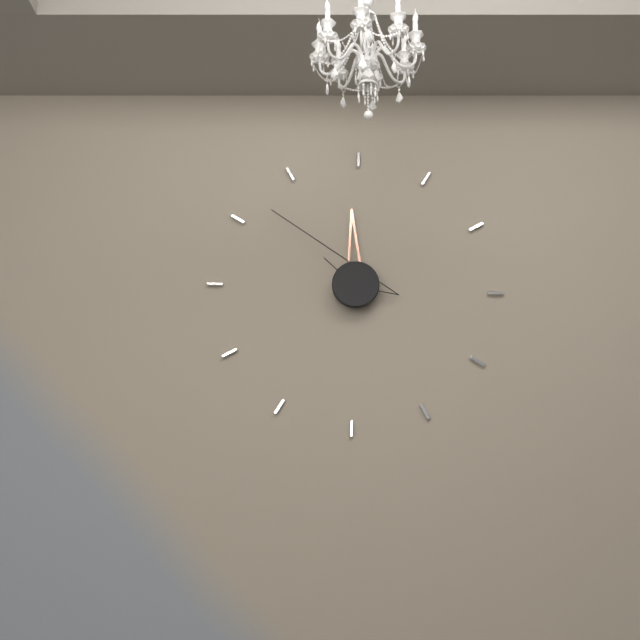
11:52
